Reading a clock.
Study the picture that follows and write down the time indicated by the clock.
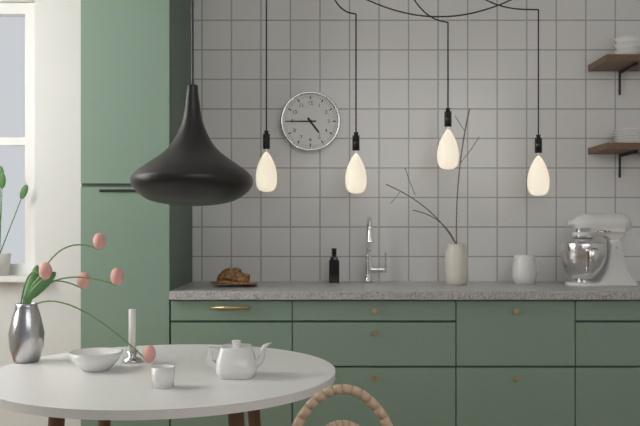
4:45
